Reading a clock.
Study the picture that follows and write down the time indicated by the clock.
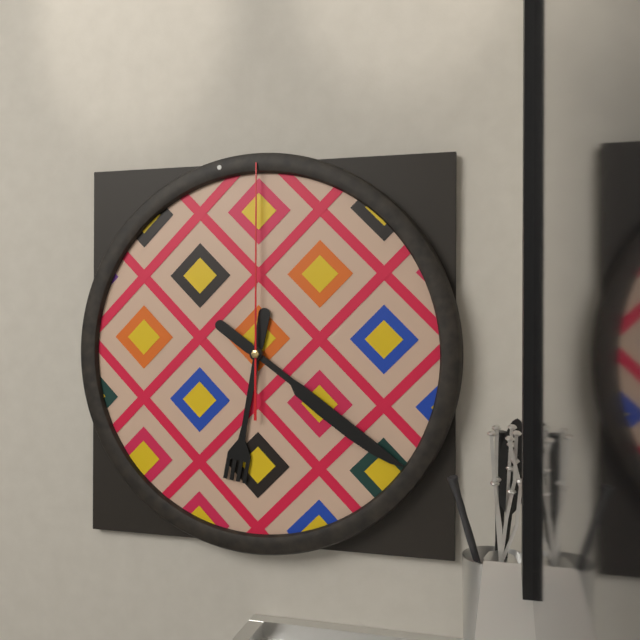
6:21:00
